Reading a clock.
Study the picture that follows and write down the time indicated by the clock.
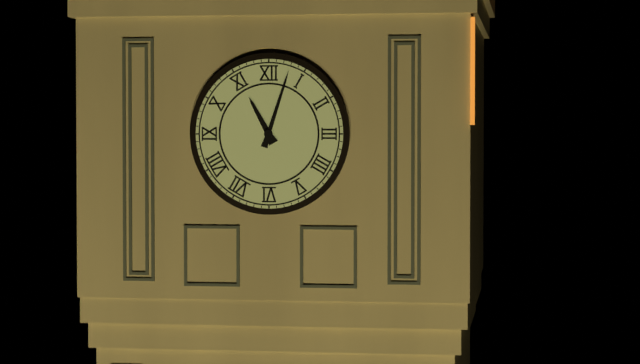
11:03
